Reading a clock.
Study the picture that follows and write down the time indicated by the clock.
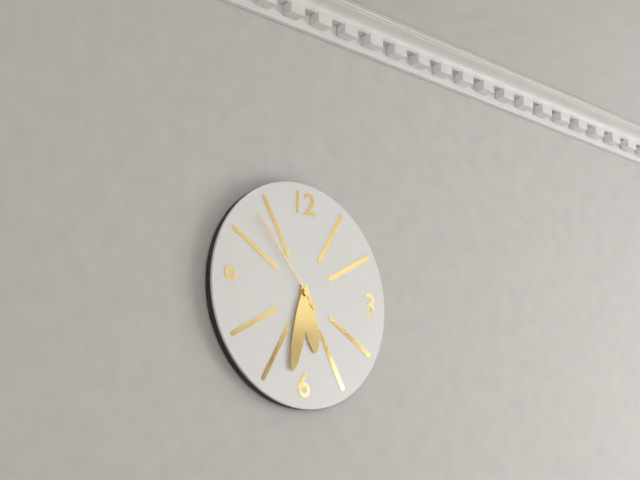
5:32:53
